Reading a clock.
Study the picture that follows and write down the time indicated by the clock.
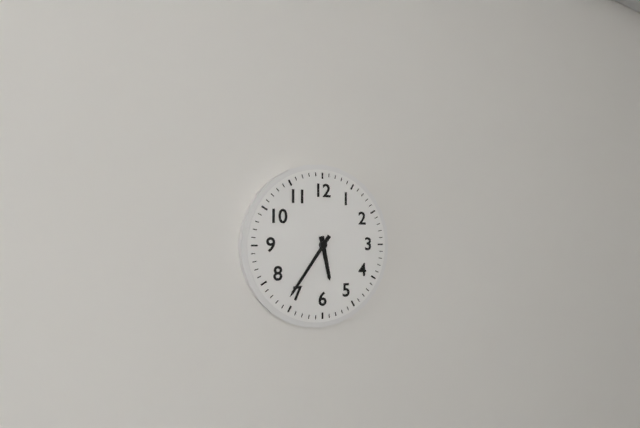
5:36
